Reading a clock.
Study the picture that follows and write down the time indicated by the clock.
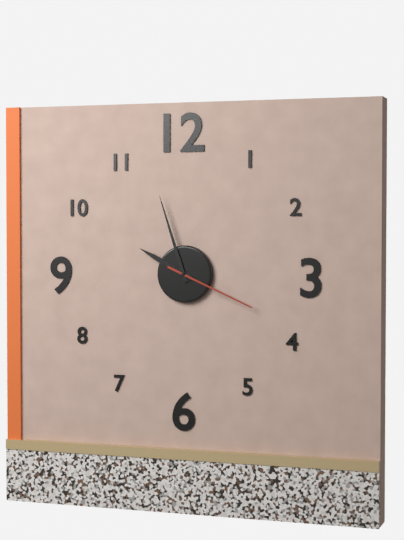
9:57:19
